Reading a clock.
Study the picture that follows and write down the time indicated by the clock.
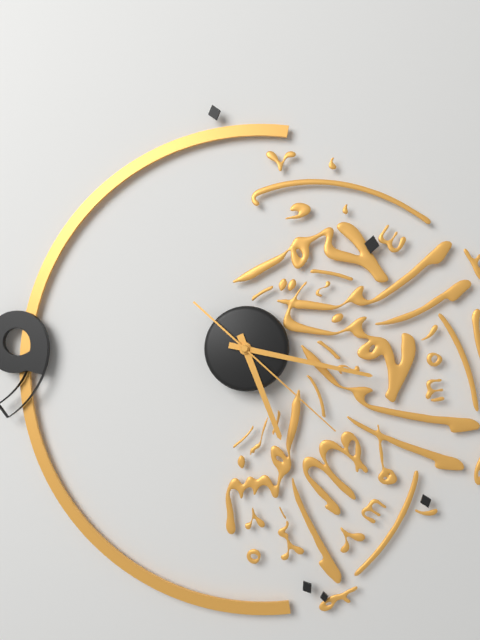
5:17:22
